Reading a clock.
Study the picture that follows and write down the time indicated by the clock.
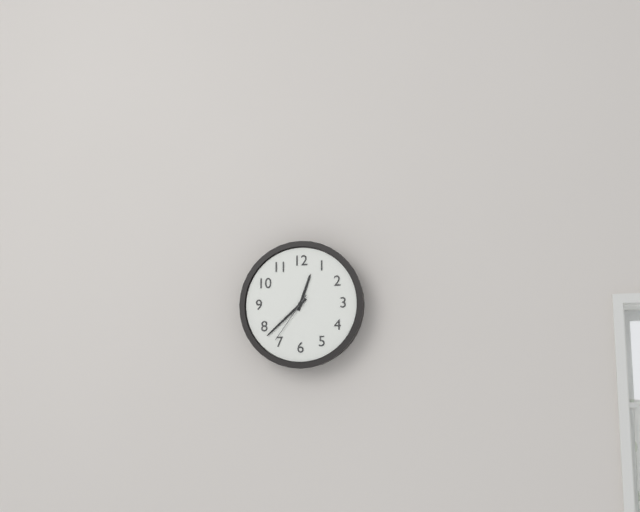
12:38:36
